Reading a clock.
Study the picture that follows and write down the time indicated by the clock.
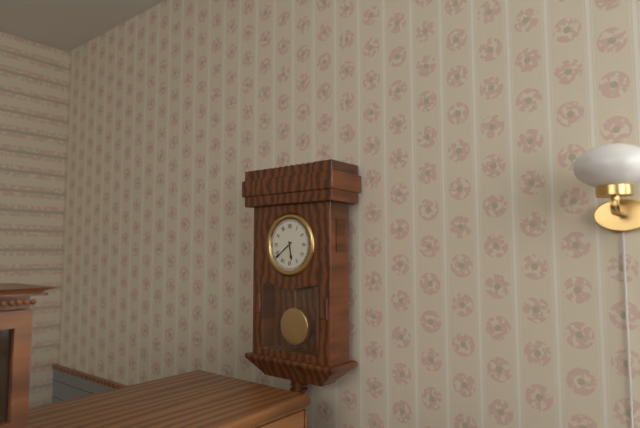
5:39
